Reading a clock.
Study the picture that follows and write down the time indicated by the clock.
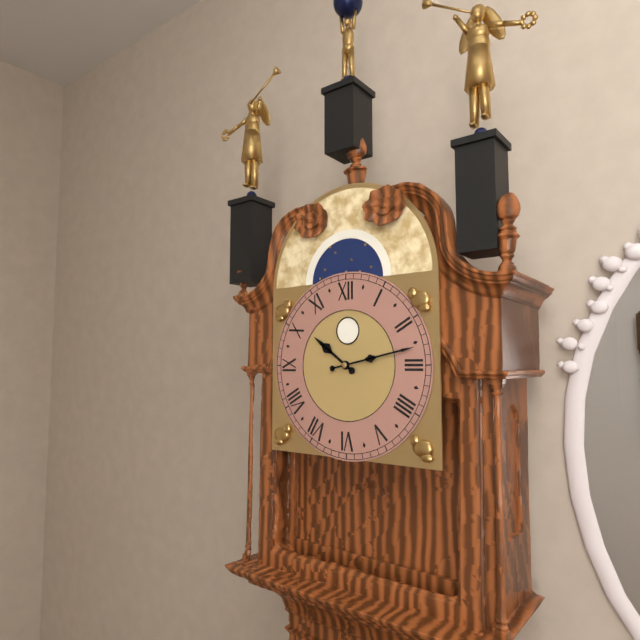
10:13
